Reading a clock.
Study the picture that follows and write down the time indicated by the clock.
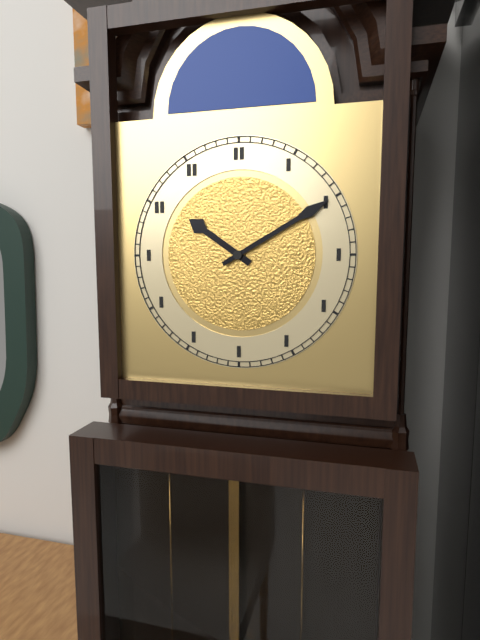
10:10
